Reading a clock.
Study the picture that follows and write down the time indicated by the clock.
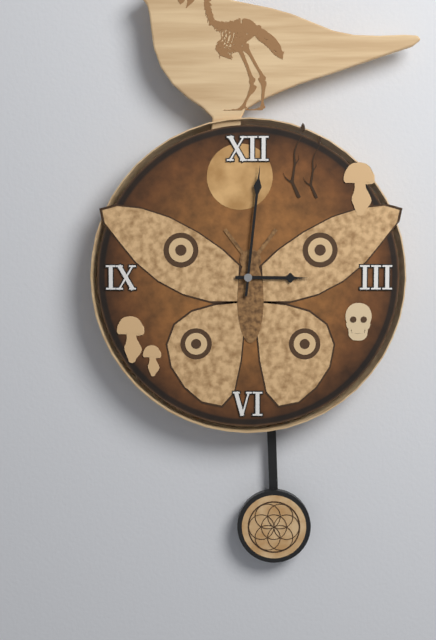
3:01
